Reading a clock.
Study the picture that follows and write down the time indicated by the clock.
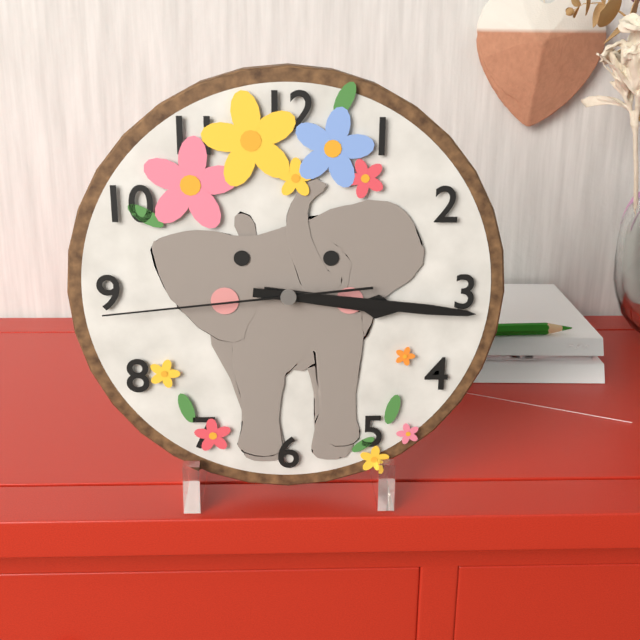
3:16:44
